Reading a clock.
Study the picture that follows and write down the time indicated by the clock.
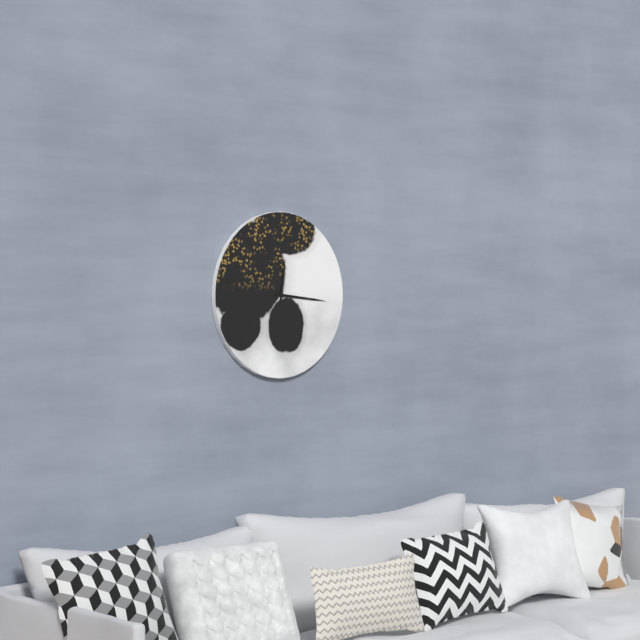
12:16
